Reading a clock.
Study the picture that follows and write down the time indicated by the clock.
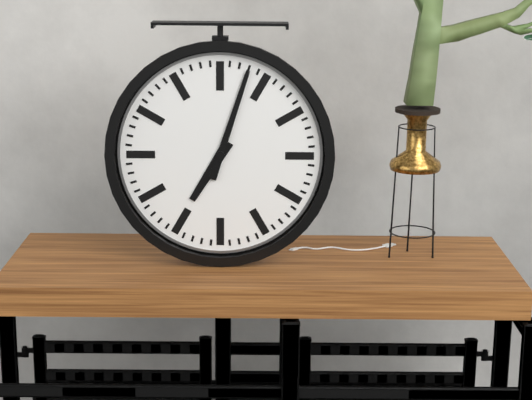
7:03
